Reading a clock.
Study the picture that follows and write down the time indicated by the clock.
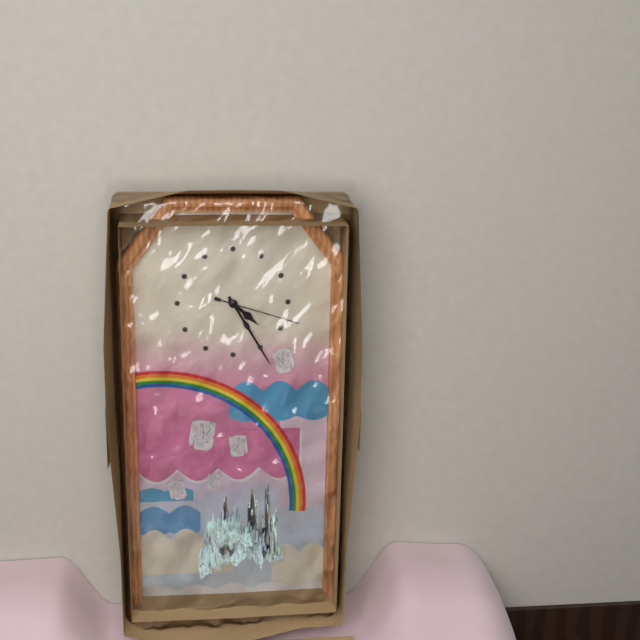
4:25:18
